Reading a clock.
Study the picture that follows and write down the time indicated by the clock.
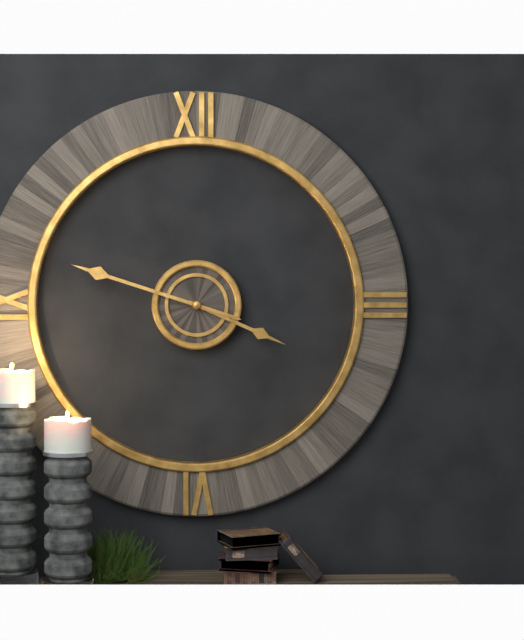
3:48
